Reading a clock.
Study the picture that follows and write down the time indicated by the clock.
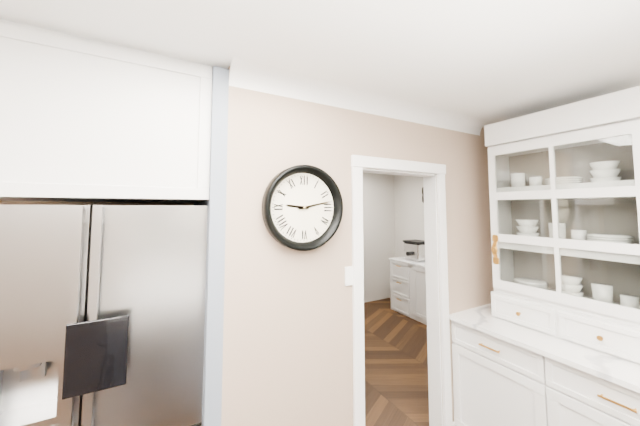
9:13
